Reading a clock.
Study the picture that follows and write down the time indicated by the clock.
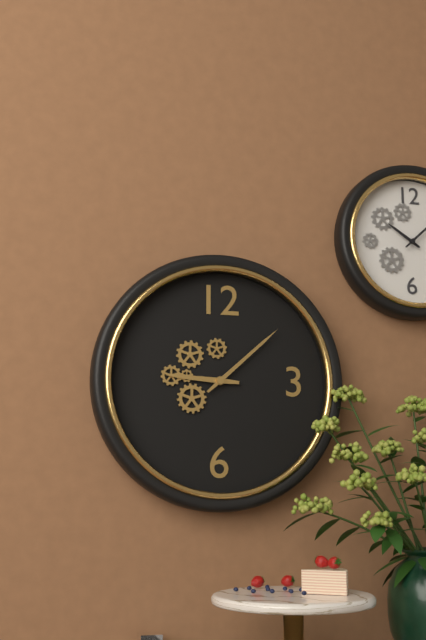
9:08
